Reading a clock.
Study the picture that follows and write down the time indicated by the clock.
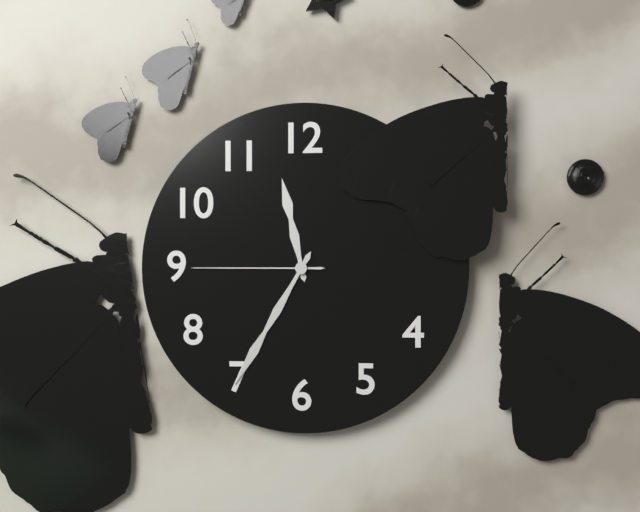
11:35:45
